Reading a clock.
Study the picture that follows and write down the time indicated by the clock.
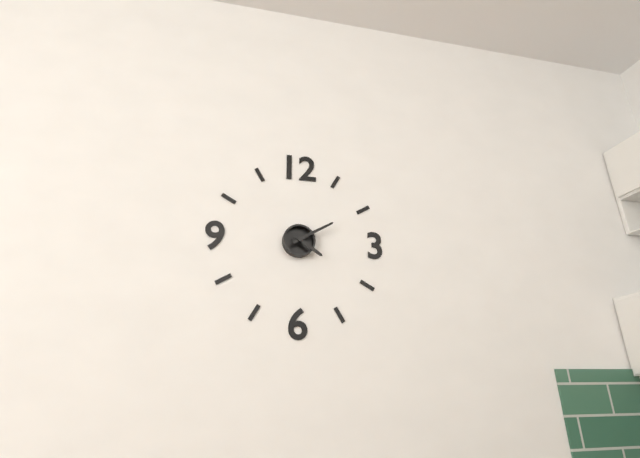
4:10
